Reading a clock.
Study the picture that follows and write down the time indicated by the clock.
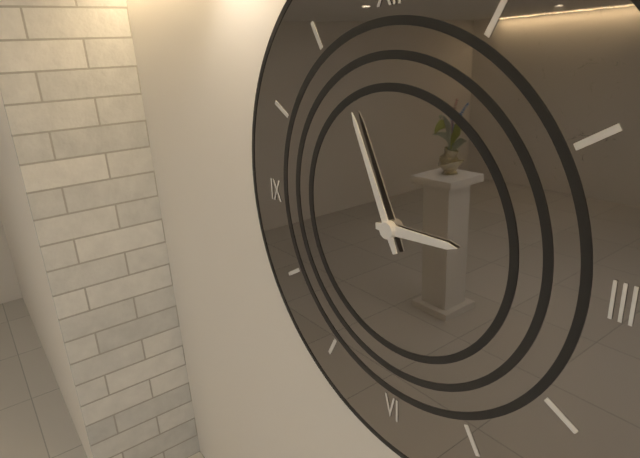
2:56
